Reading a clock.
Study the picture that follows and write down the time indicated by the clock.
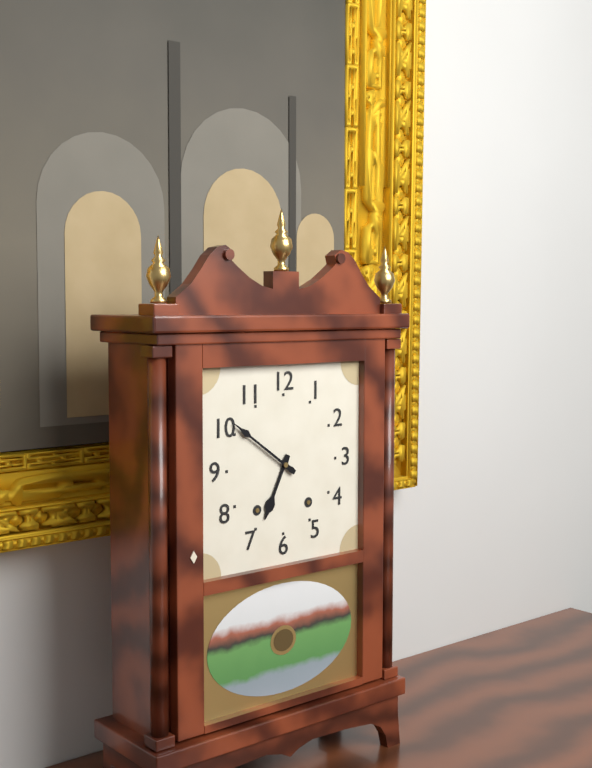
6:51
